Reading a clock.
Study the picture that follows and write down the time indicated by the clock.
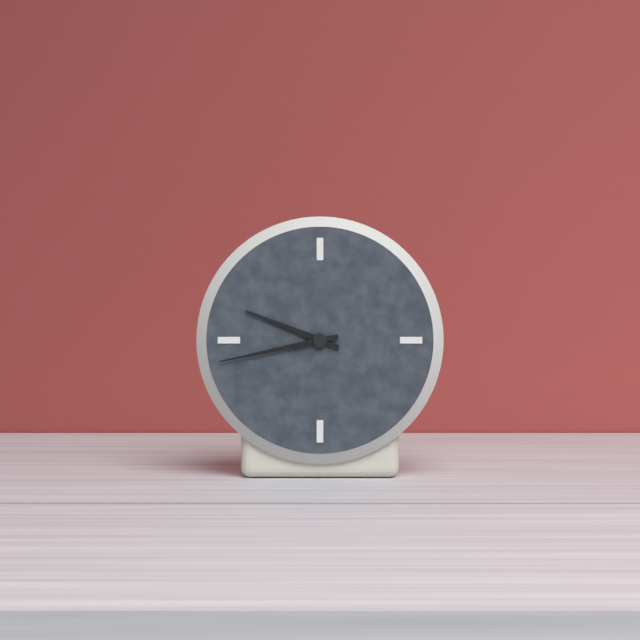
9:43
